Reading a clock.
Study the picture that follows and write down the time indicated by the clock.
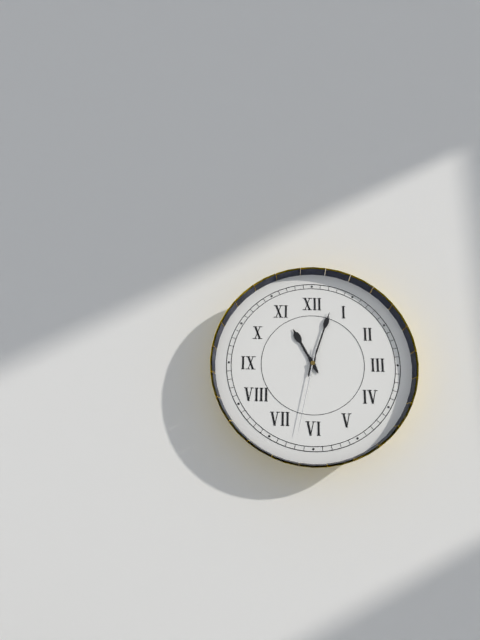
11:03:32
